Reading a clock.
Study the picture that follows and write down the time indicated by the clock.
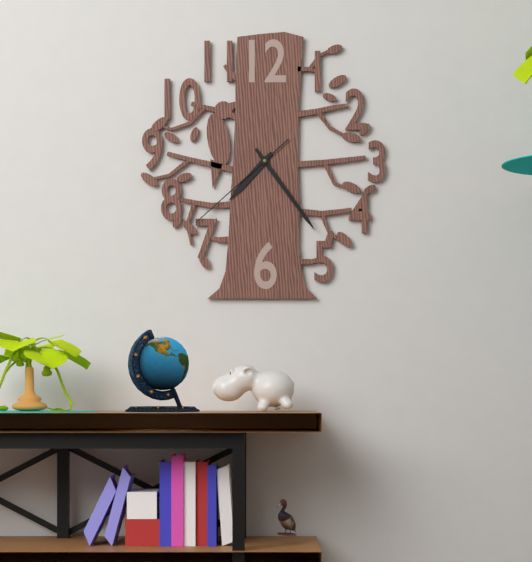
7:24:38
